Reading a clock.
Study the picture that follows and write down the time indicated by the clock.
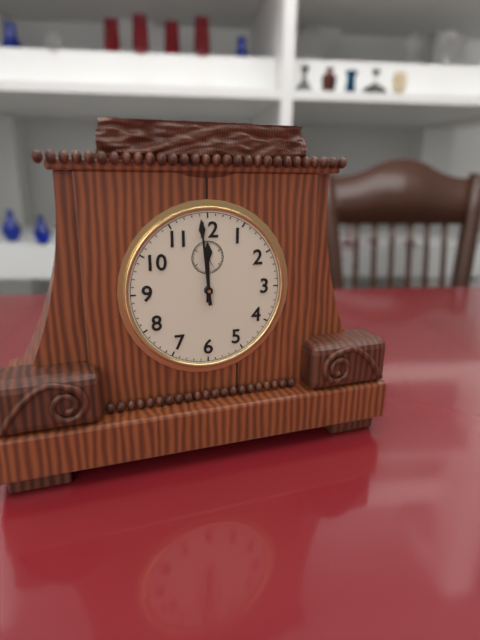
11:59
